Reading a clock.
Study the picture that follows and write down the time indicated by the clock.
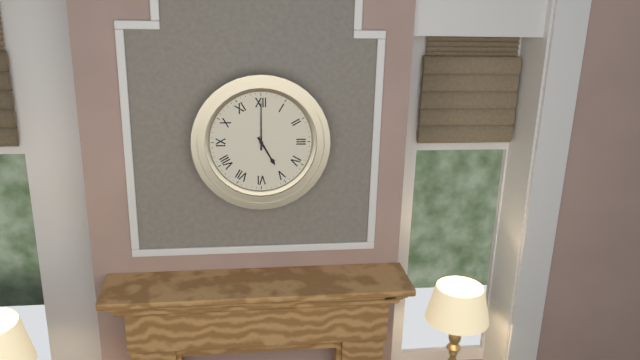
5:00
